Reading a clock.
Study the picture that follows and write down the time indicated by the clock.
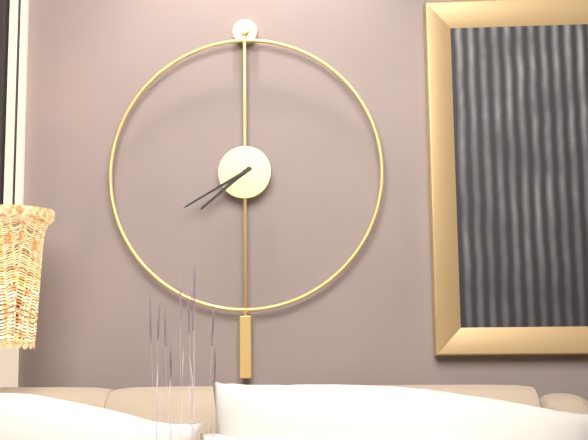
7:40
